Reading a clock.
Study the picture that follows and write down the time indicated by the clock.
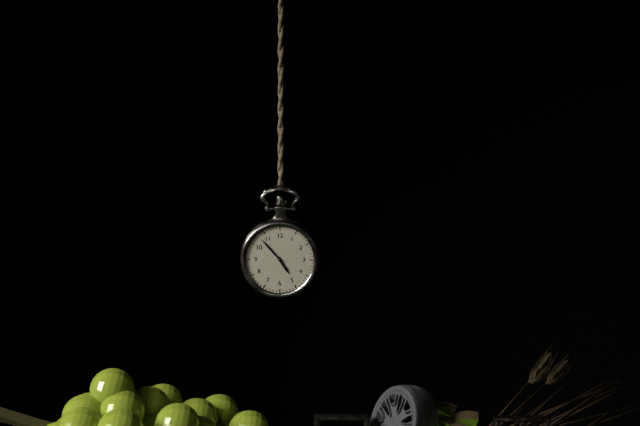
4:53
